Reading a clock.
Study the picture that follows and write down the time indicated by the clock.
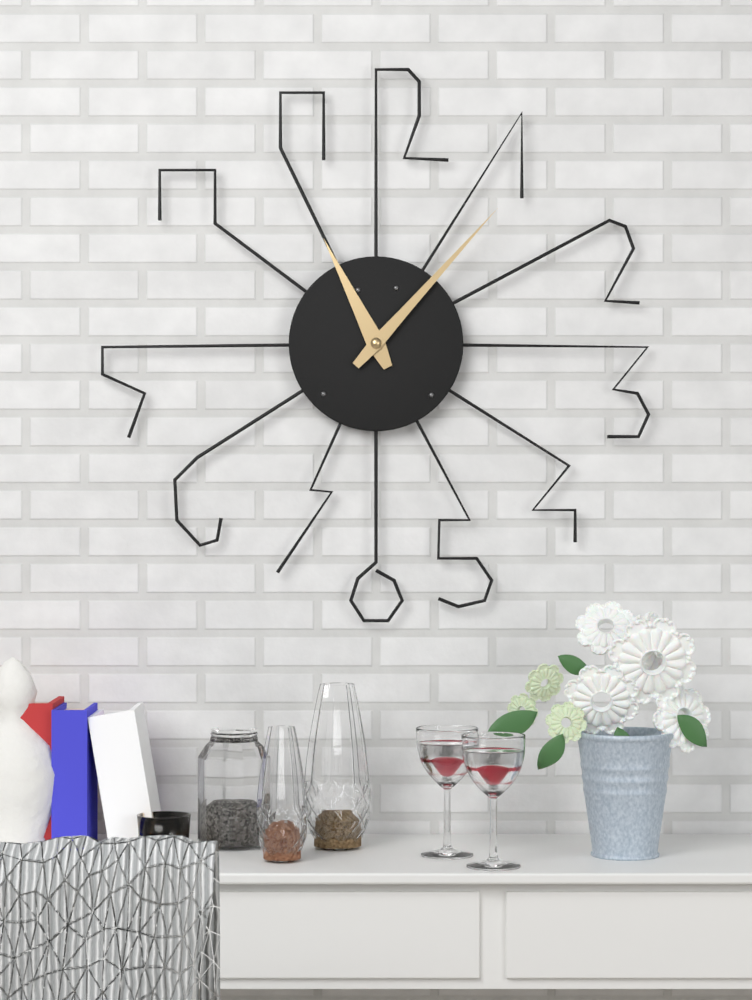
11:07
